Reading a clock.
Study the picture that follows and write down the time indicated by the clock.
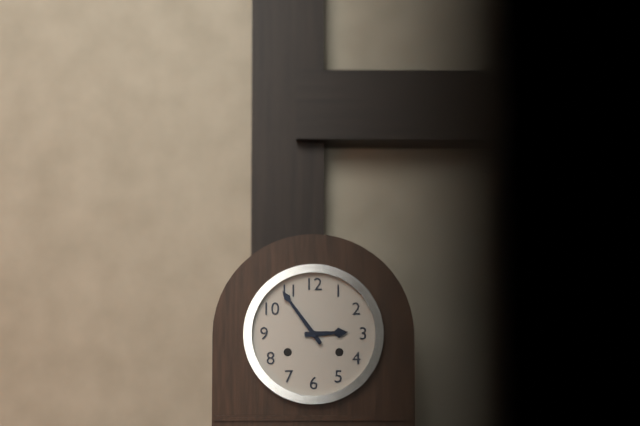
2:54
